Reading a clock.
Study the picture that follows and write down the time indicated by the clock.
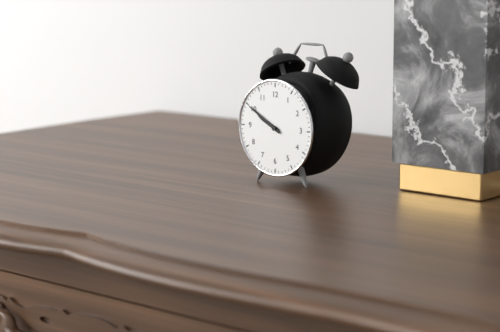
9:50
